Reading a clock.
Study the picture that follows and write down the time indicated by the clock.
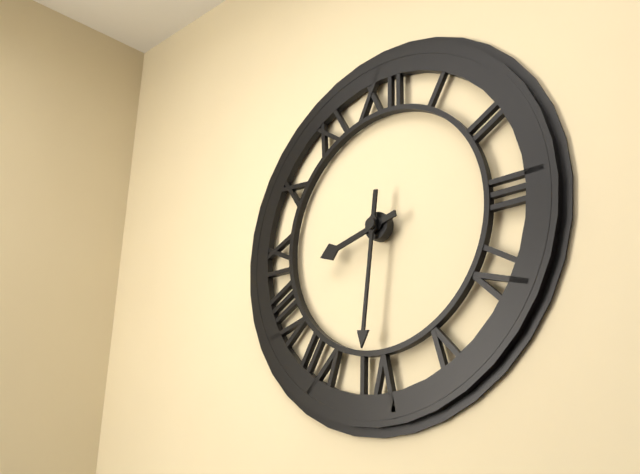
8:31
